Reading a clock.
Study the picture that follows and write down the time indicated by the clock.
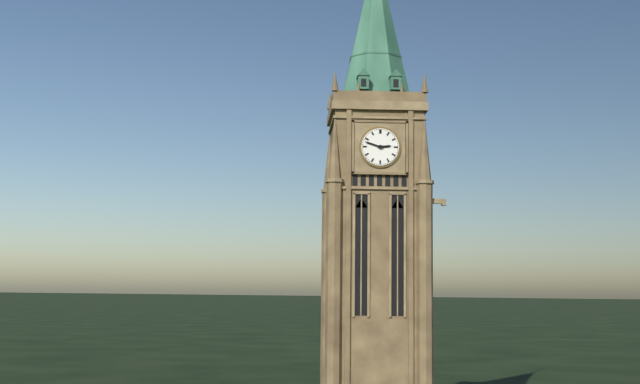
2:48
